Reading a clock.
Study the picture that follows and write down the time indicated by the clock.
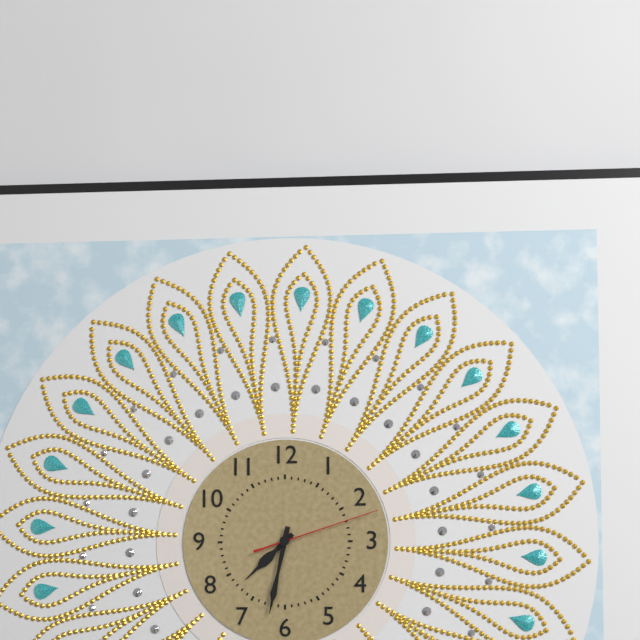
7:32:12
